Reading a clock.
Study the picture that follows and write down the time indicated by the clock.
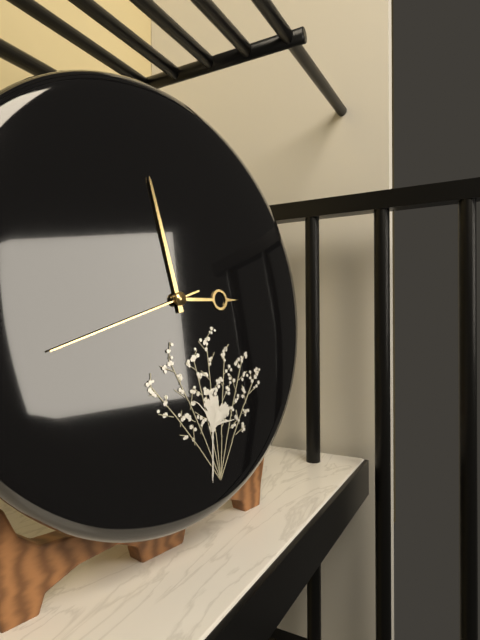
2:58:42
